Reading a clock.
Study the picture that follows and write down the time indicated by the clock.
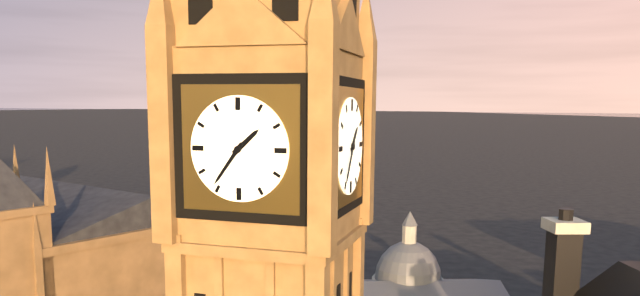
1:36
